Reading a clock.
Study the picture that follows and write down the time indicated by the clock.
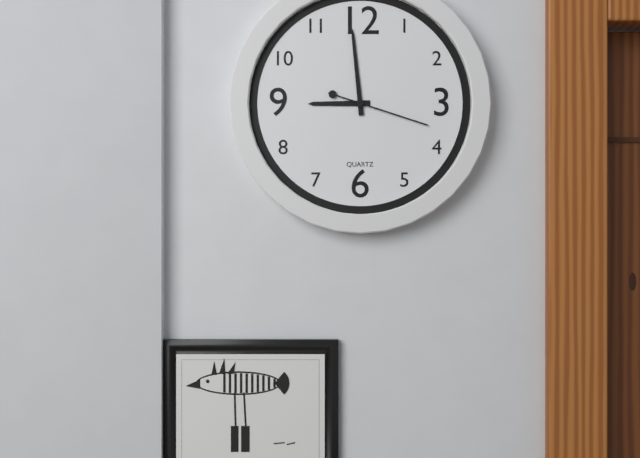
8:59:18
